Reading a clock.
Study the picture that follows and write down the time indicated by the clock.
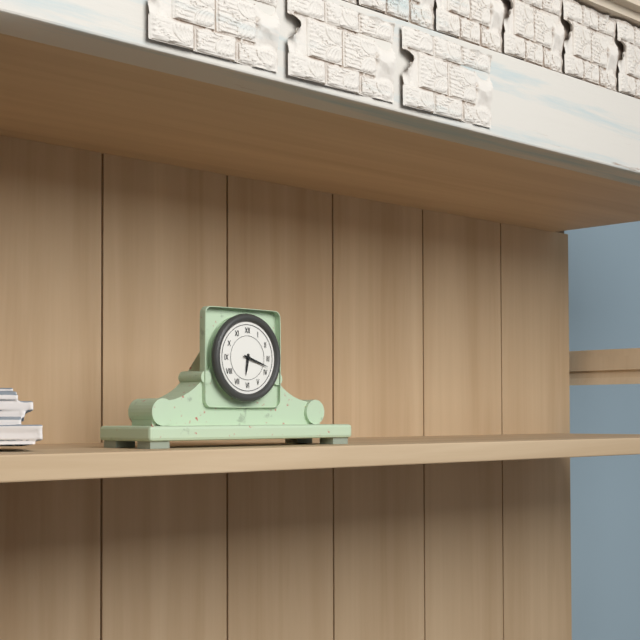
6:18
